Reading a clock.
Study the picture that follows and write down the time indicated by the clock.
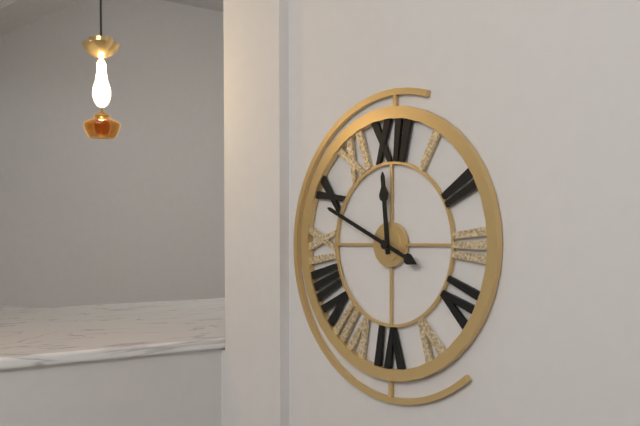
11:49
